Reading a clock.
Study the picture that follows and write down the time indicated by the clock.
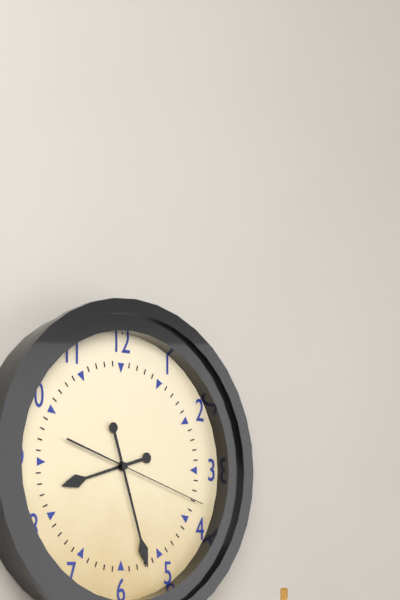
8:27:18
